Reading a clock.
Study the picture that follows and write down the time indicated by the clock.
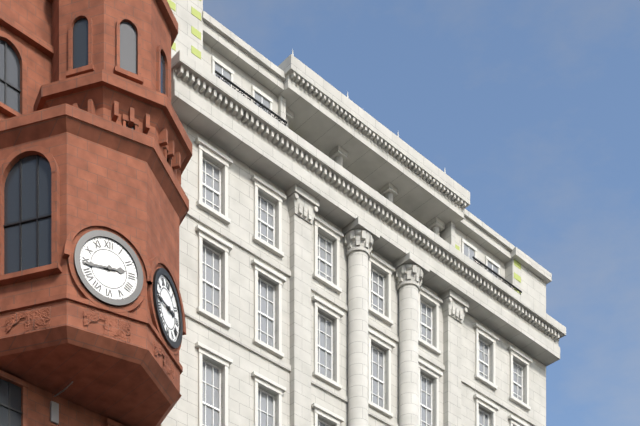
2:44
